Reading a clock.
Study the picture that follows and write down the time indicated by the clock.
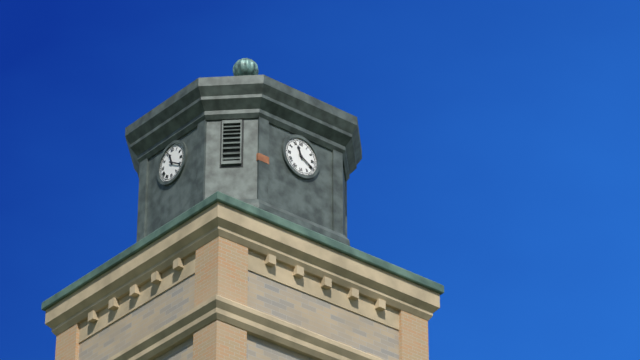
11:20
